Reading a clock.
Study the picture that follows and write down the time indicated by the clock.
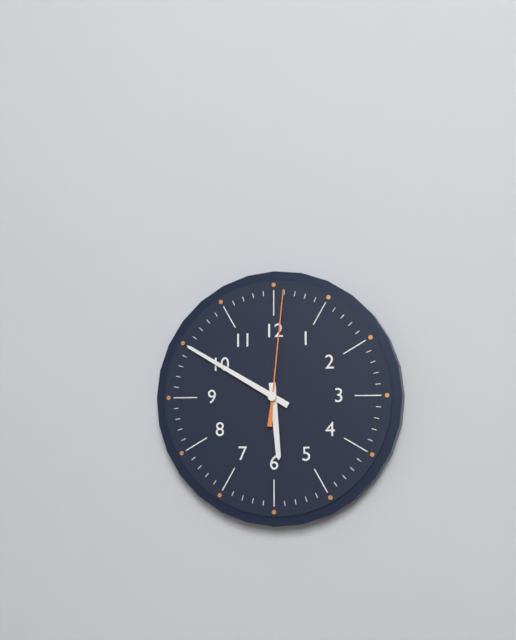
5:50:01
